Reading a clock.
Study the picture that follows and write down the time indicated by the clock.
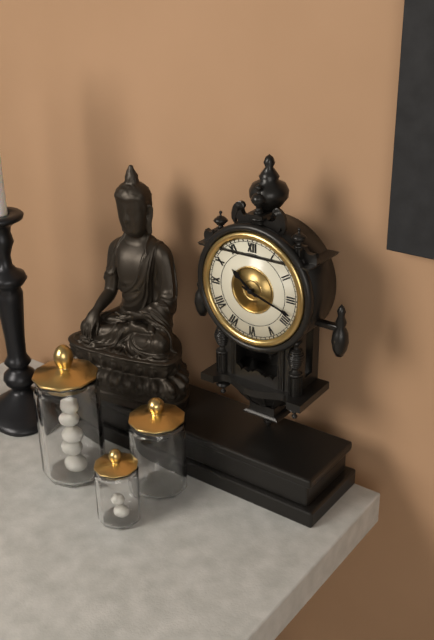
10:18
